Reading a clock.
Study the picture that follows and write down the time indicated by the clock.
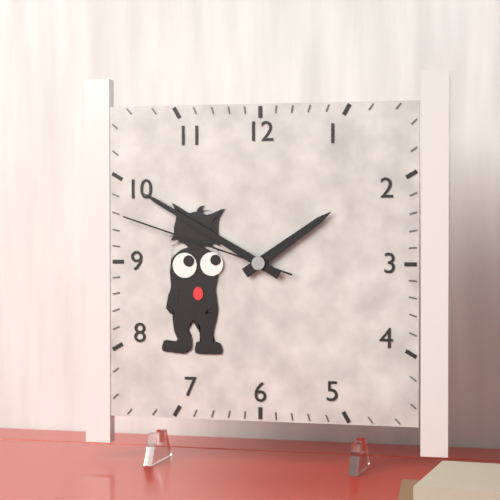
1:50:48
